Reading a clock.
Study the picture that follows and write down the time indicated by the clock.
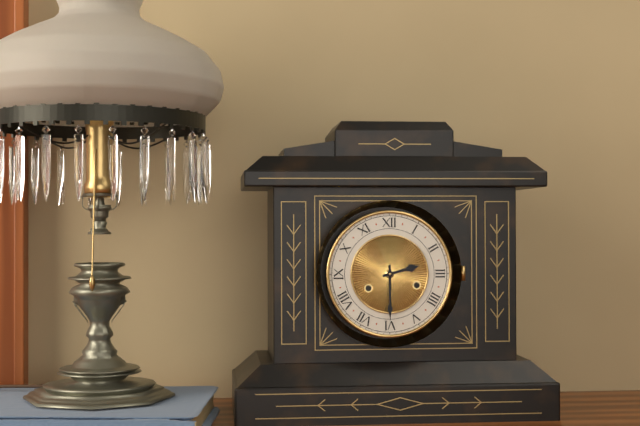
2:30
